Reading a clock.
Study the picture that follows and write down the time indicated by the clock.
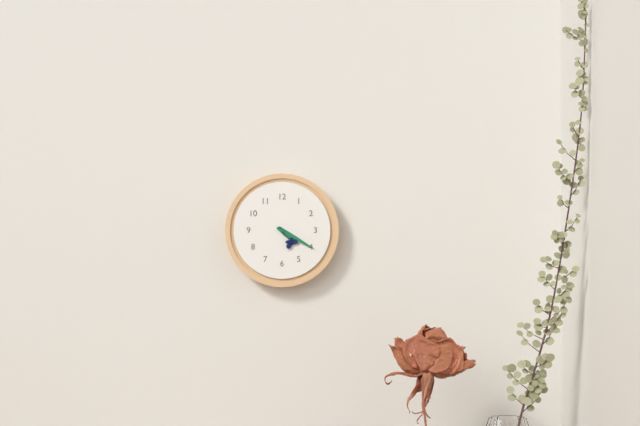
4:20
